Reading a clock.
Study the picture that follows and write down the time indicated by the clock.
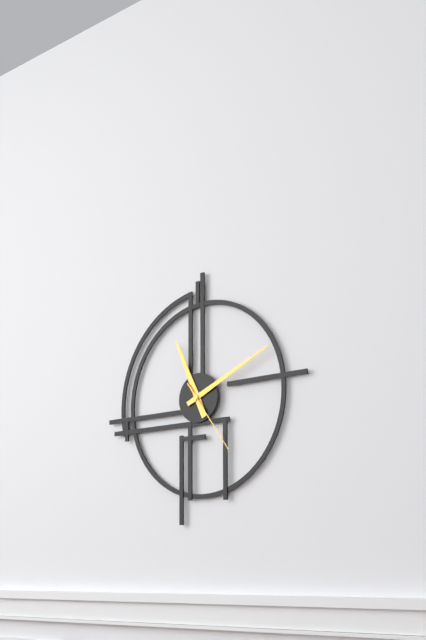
11:11:24
